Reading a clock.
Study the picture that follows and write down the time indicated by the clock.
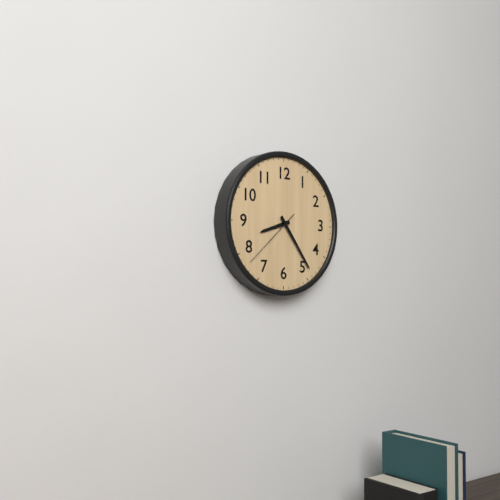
8:24:38
